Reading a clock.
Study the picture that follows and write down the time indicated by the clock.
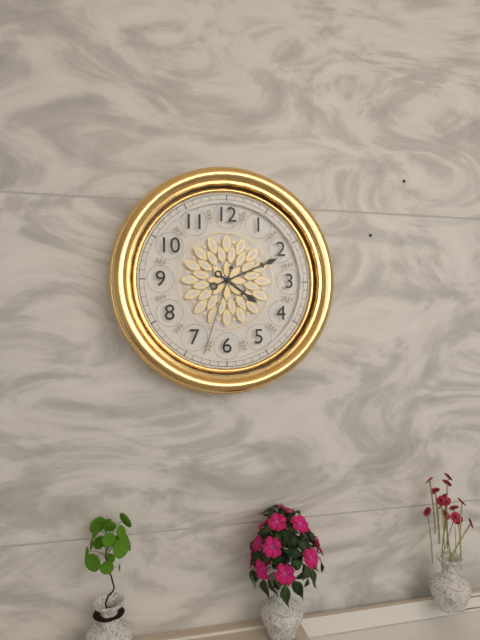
4:11:33
